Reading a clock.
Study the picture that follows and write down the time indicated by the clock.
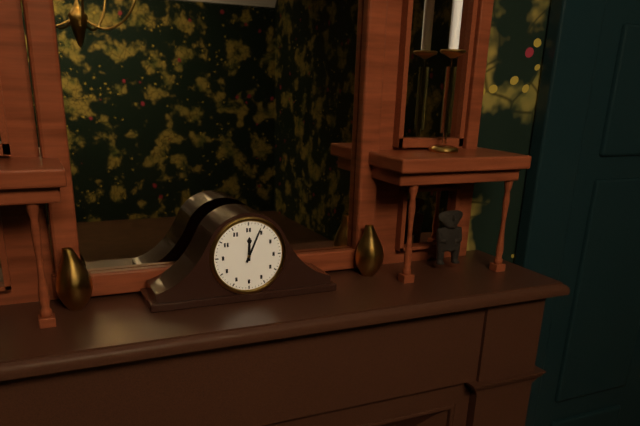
12:04
